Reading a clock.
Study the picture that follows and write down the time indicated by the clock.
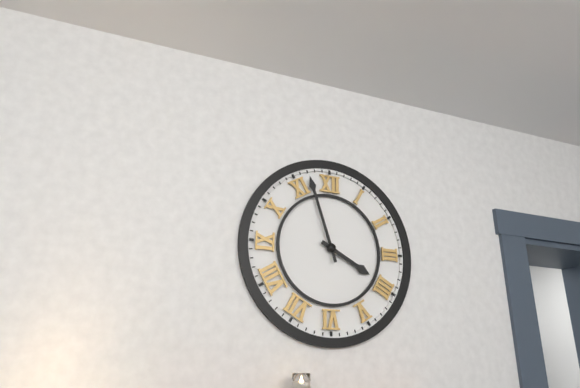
3:57
